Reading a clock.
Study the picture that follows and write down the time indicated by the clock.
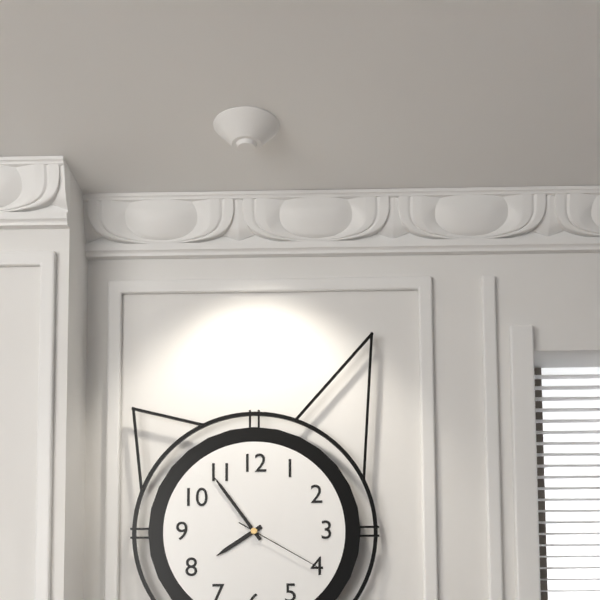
7:54:20
